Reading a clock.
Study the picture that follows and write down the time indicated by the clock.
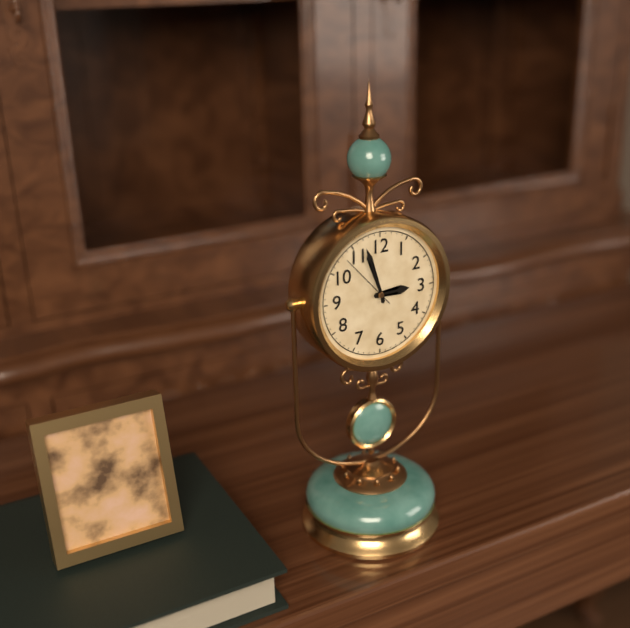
2:57:53
